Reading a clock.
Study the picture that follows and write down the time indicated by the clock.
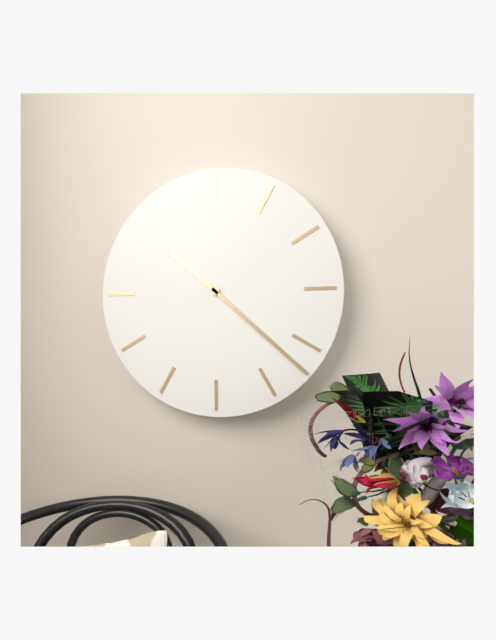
10:22
